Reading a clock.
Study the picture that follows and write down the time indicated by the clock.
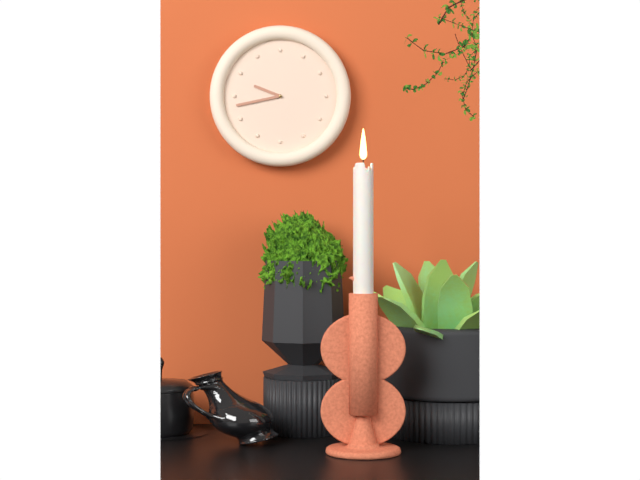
9:43
